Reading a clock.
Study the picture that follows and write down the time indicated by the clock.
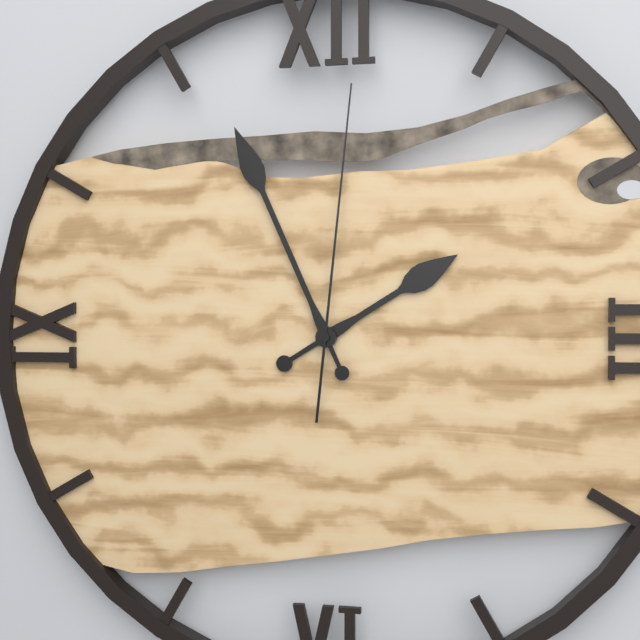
1:56:01
